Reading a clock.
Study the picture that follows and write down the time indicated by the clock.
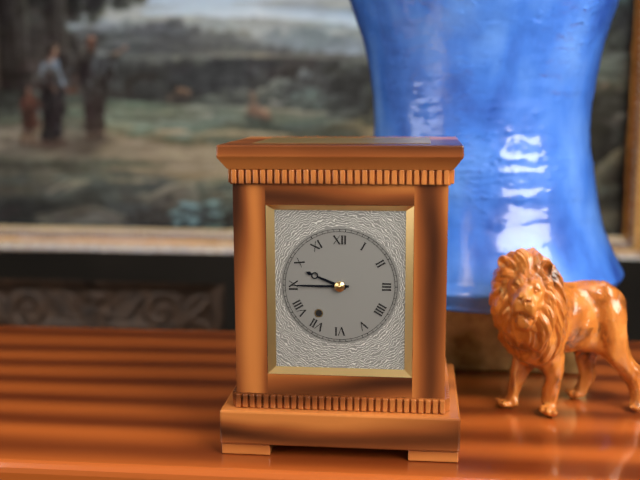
9:45
